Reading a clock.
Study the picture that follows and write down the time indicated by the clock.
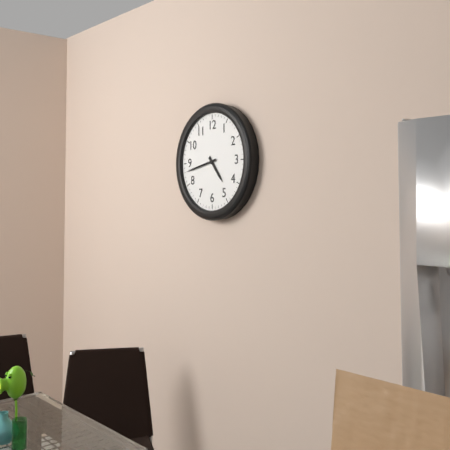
4:43
